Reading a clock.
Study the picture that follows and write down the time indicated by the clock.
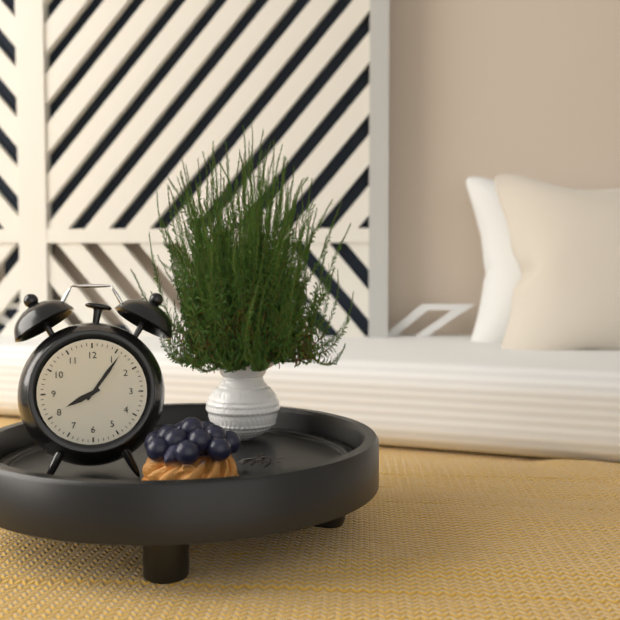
8:06
